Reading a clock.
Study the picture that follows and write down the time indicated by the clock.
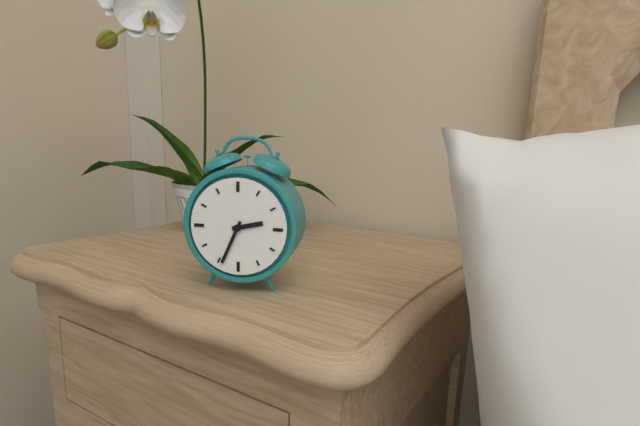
2:34
